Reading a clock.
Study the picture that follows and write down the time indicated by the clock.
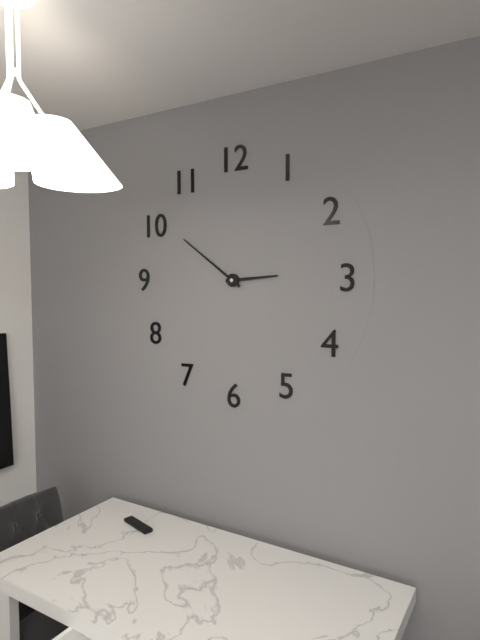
2:51
